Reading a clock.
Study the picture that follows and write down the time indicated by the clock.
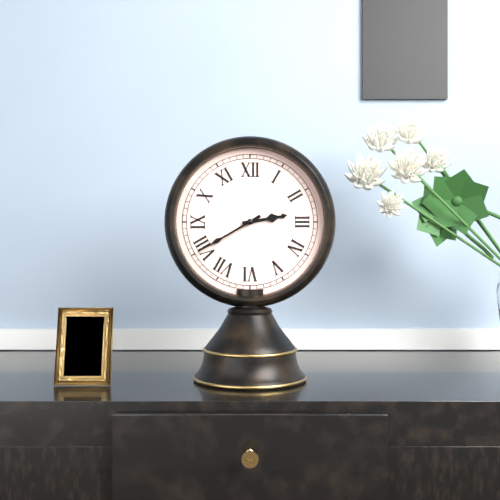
2:40
